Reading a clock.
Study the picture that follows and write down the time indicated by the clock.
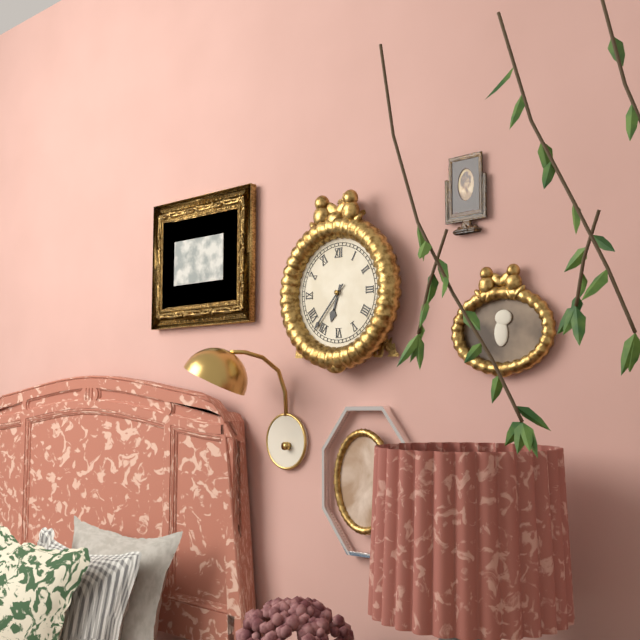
6:37
